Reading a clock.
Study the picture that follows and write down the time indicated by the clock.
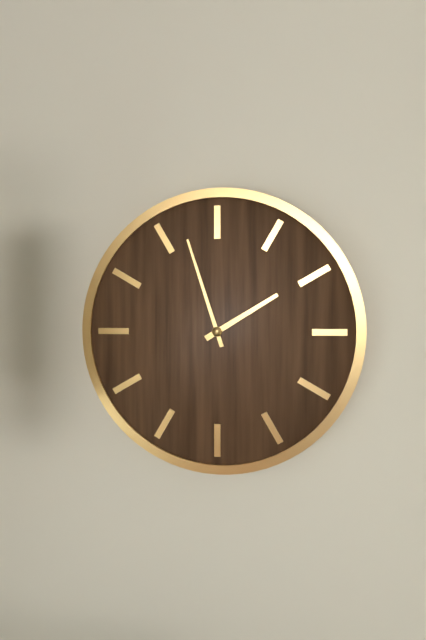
1:57
